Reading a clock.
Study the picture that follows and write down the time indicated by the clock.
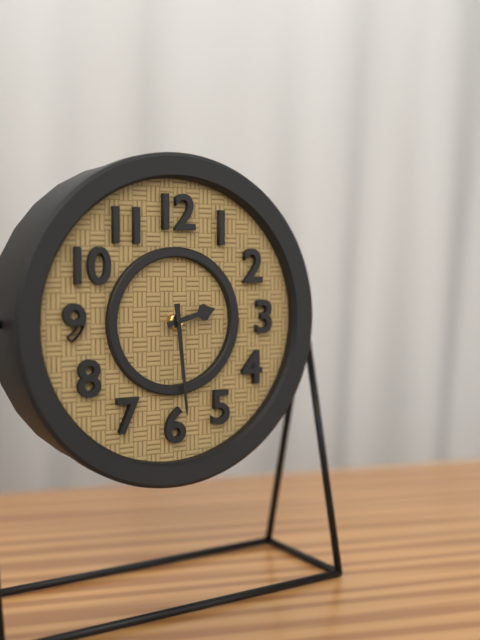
2:29
